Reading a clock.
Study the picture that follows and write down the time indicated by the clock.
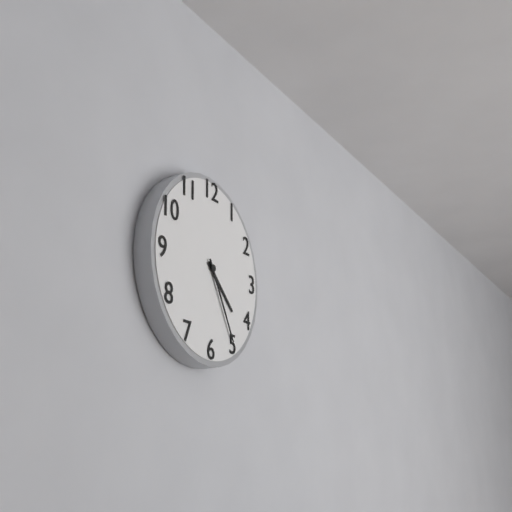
4:25
